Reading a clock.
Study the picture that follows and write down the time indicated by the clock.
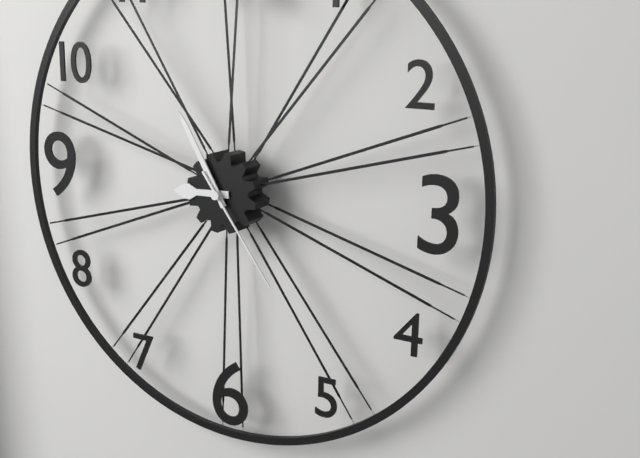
8:55:24
